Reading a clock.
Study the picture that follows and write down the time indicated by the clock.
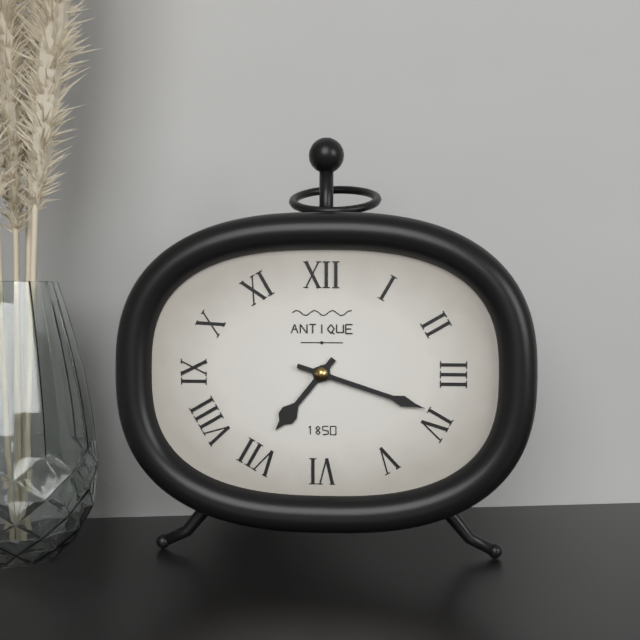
7:18
